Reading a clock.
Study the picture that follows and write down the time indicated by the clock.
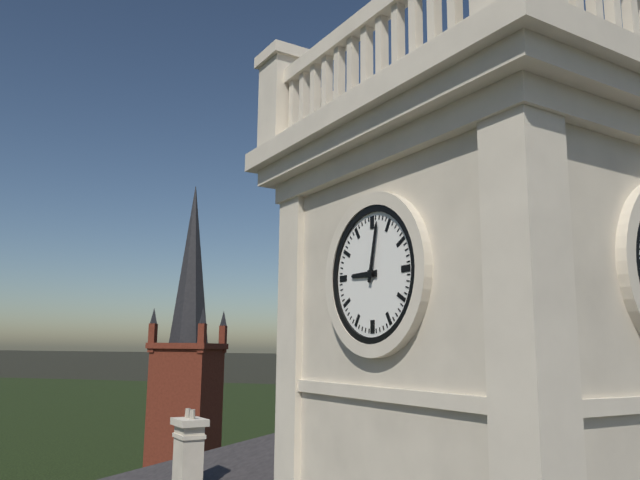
9:02
